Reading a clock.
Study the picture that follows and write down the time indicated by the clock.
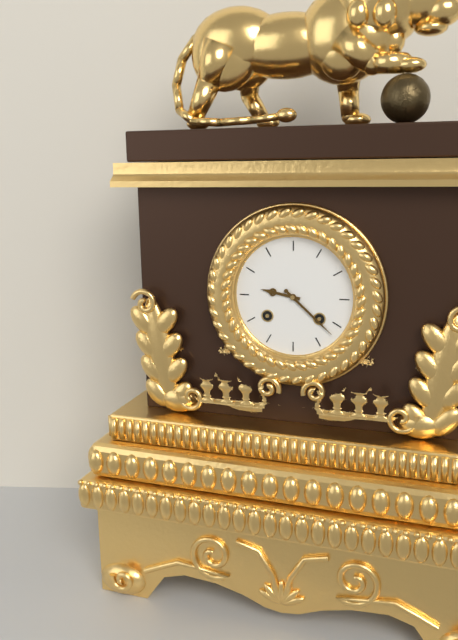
9:22
